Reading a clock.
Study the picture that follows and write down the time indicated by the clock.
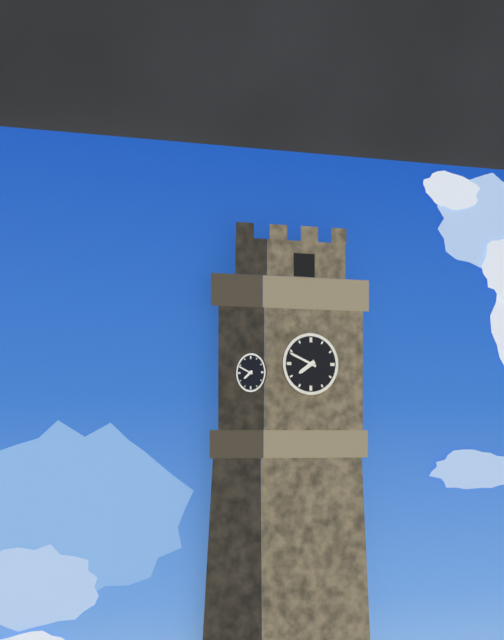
7:49
